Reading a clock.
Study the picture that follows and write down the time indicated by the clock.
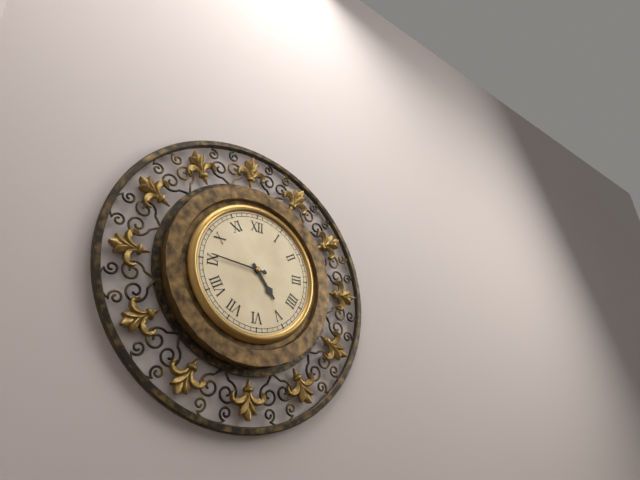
4:46
